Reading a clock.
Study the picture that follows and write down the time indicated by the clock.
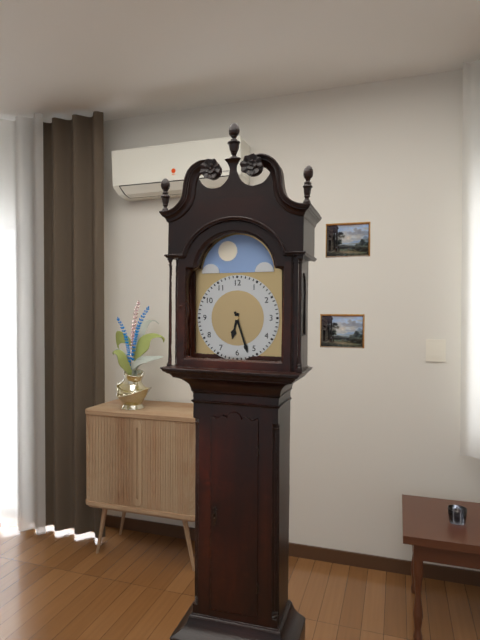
6:27
